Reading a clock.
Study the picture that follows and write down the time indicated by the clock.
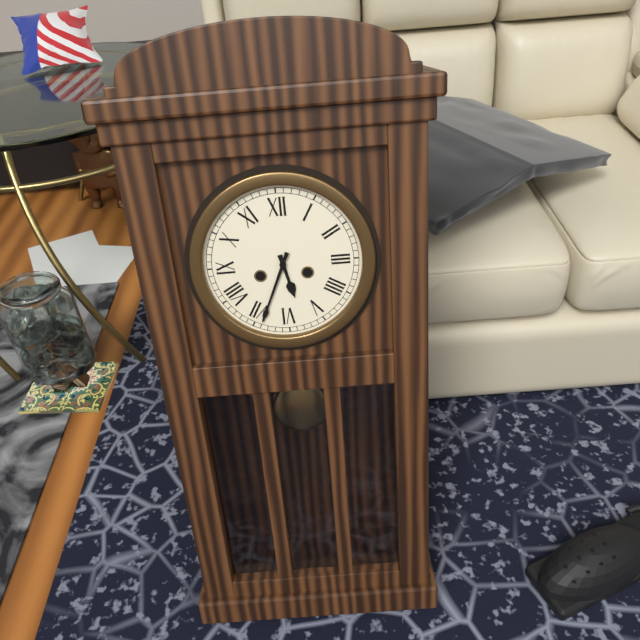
5:34
